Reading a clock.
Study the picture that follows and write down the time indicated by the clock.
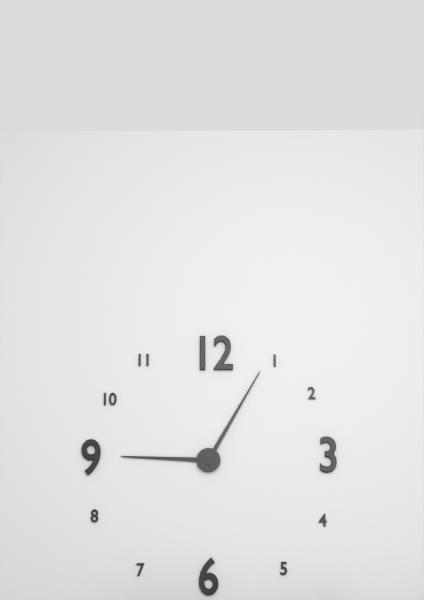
9:05
